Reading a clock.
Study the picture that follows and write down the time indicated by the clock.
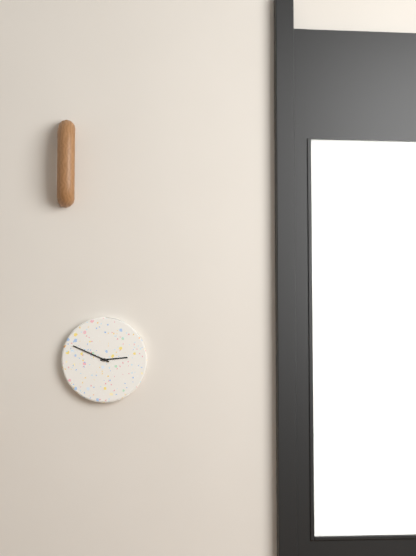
2:49
